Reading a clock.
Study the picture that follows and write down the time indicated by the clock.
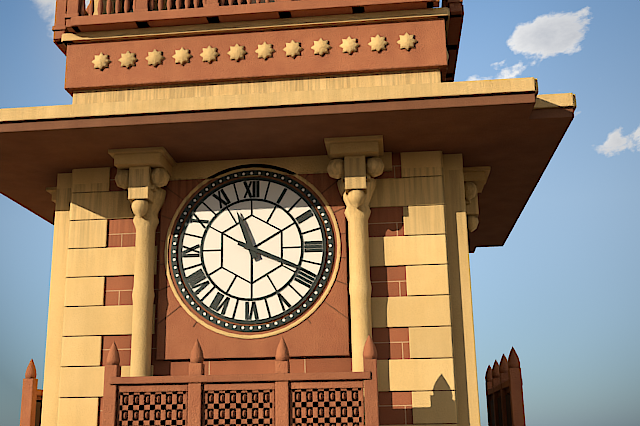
11:19
